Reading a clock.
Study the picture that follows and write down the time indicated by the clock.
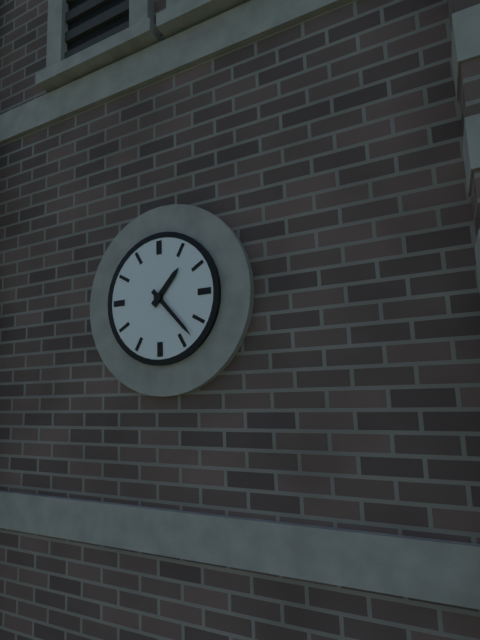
1:23
